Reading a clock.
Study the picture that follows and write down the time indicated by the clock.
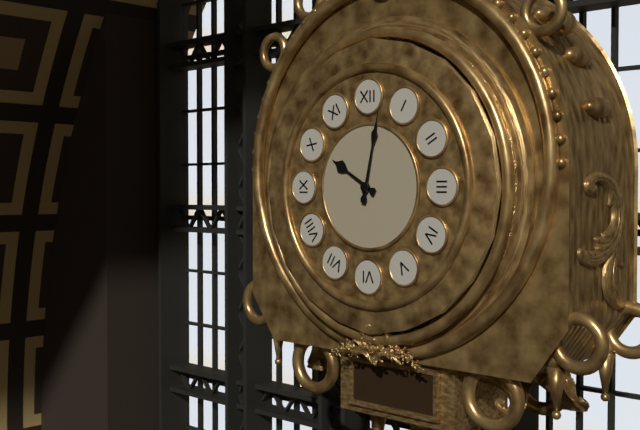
10:02
